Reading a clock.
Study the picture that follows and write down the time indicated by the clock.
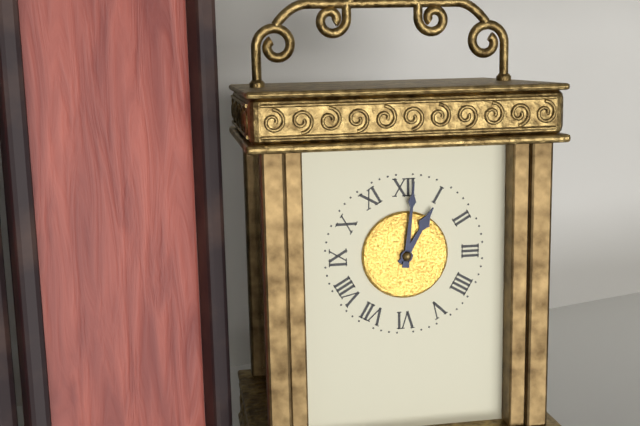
1:01
